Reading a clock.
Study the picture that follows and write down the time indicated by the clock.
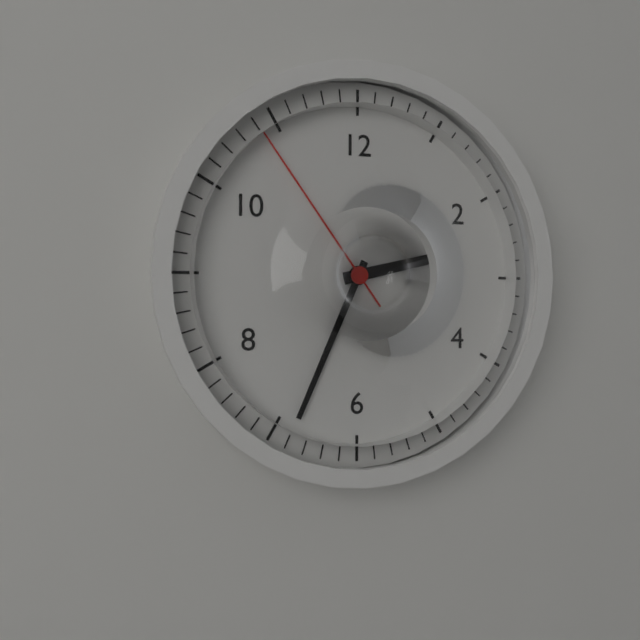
2:34:54
